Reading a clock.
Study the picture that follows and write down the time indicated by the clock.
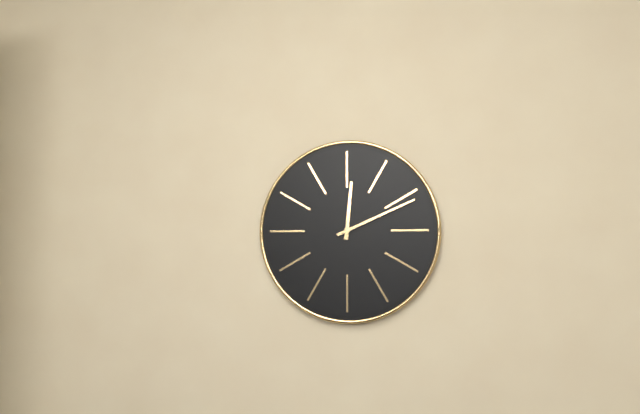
12:11
